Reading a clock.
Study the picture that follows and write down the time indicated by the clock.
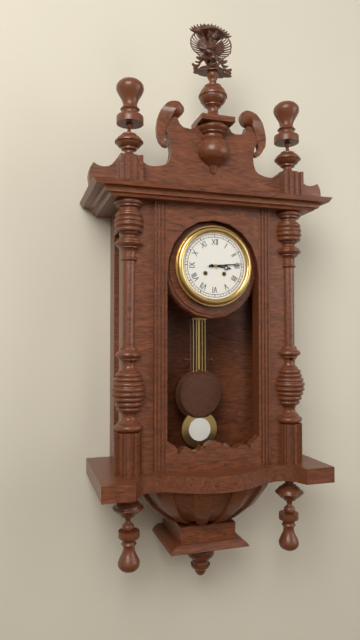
3:14
